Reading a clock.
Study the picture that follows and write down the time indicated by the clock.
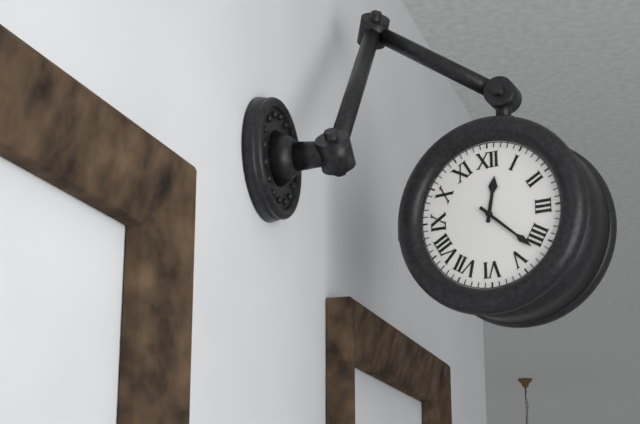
12:22
